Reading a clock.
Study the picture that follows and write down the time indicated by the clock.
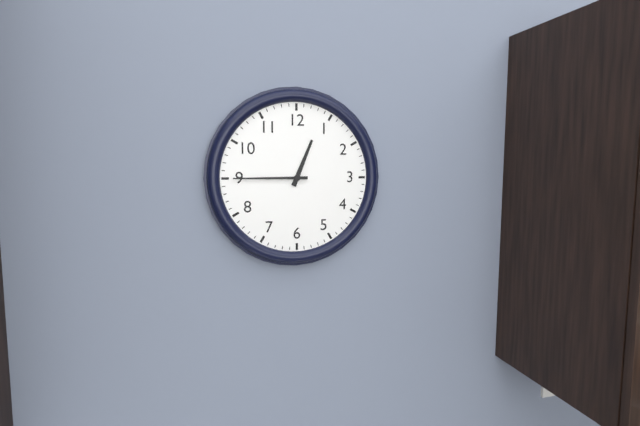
12:45
